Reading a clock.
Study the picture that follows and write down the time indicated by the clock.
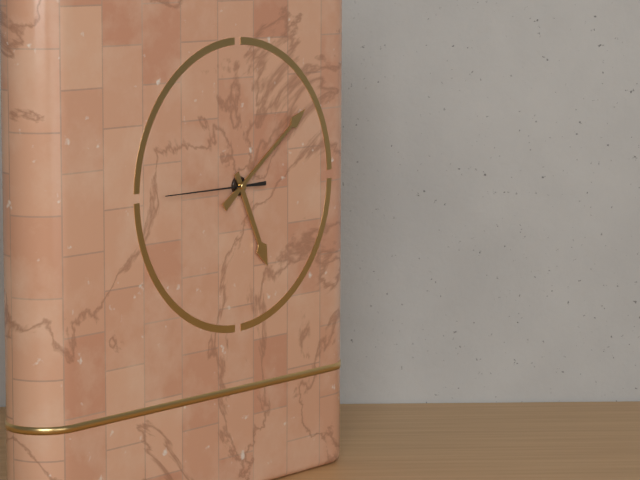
5:09:45
